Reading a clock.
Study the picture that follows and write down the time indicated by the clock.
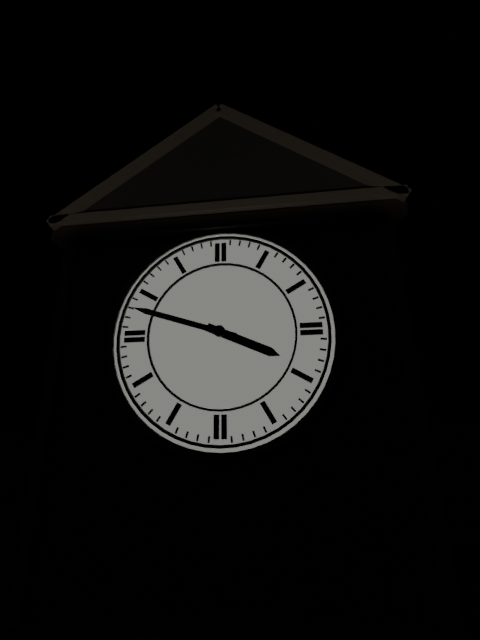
3:48
